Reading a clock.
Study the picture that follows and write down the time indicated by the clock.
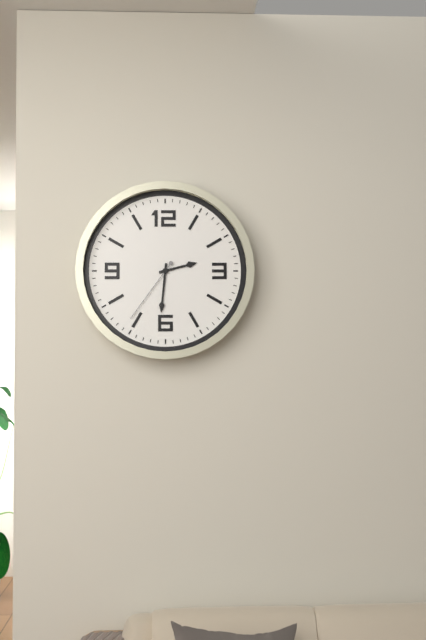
2:31:36
